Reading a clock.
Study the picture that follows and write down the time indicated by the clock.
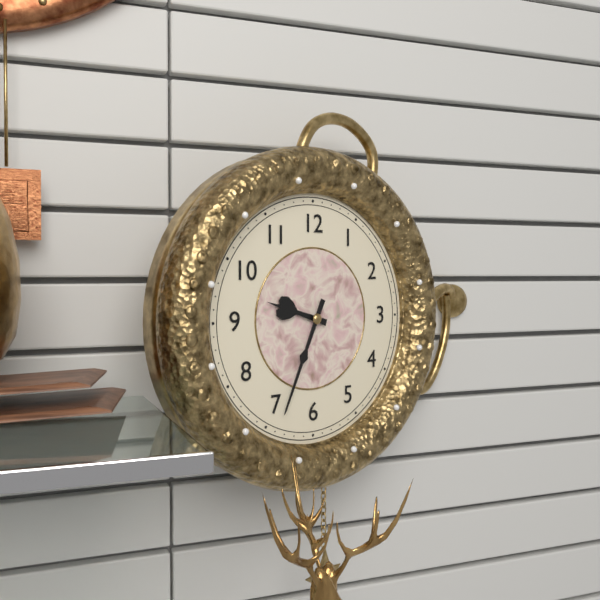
9:34
